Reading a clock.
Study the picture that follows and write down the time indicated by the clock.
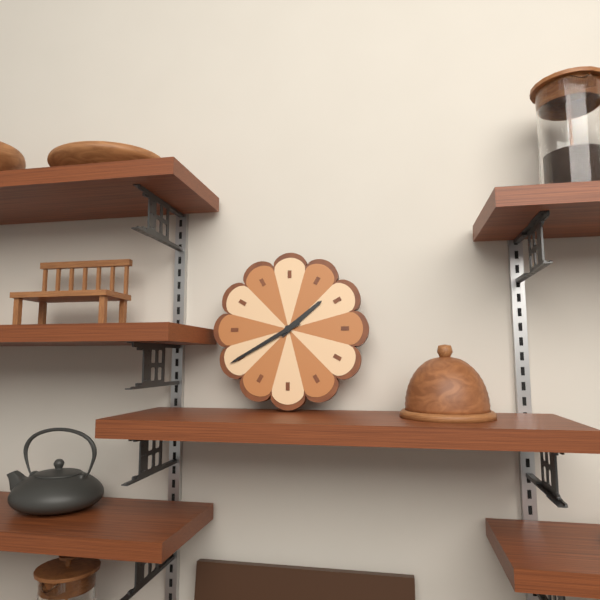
1:40
